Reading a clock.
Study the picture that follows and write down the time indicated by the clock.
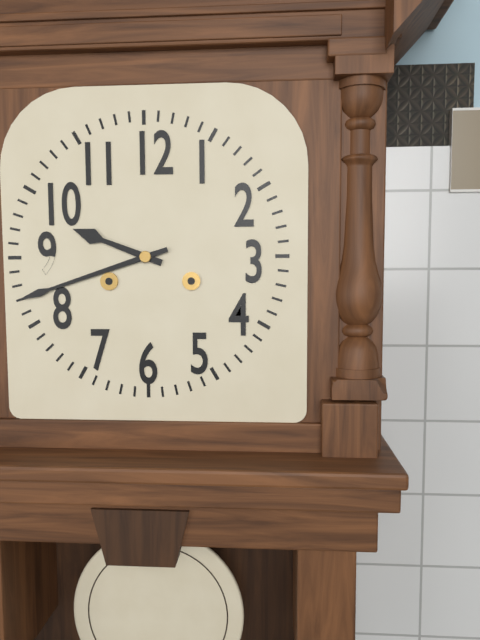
9:42
